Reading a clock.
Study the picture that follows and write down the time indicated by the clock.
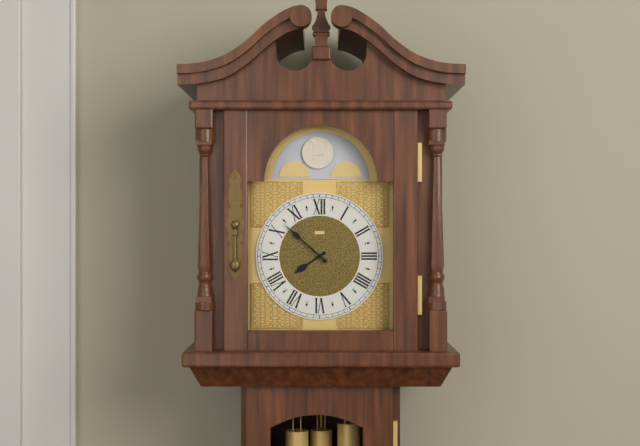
7:52
